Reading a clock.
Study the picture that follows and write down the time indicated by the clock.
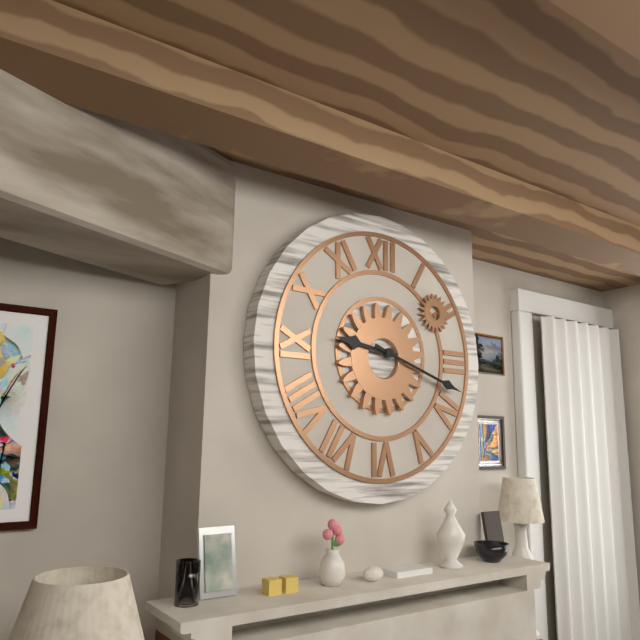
9:18
